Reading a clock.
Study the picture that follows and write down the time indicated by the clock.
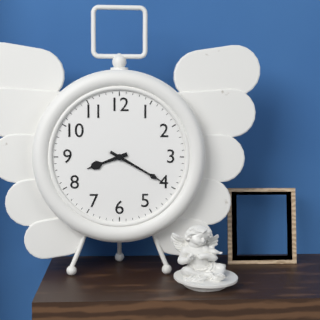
8:20
